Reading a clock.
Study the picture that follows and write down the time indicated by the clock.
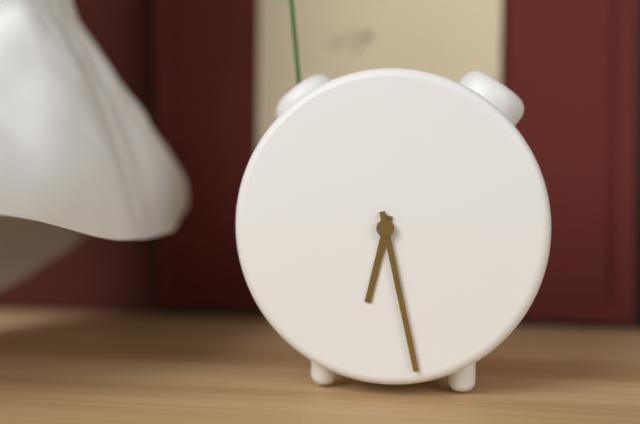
6:28
